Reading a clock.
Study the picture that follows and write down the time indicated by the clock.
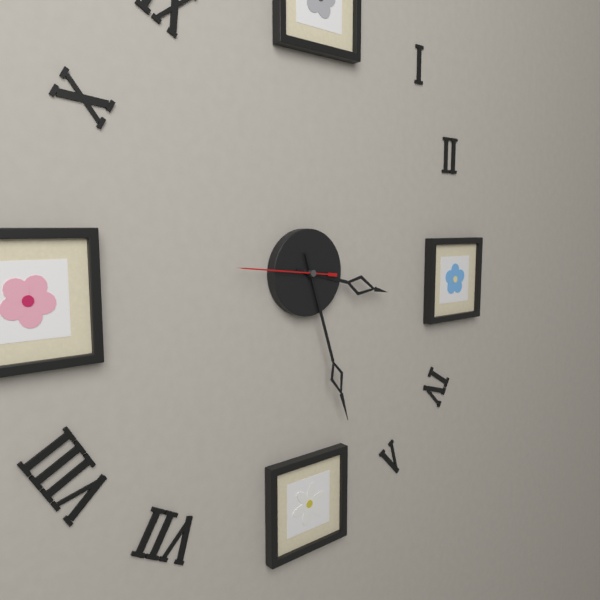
3:27:46
